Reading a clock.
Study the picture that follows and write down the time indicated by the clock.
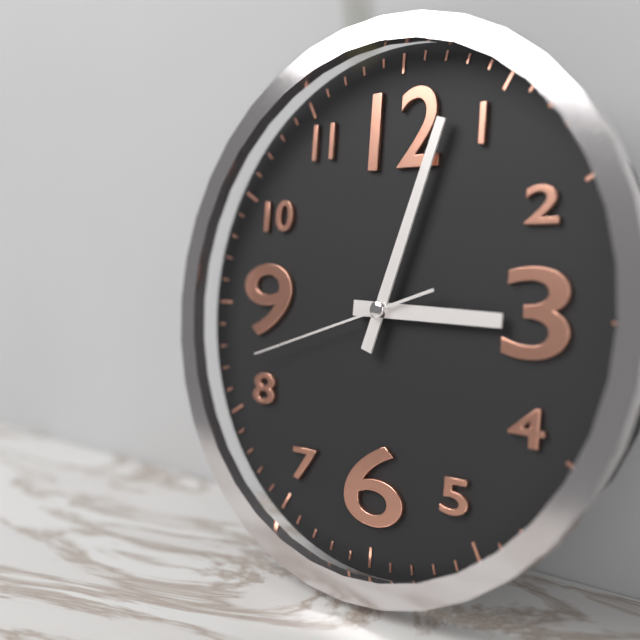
3:03:42
